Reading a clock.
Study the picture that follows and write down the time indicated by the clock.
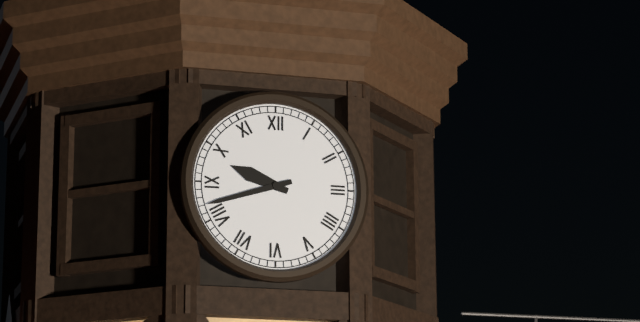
9:42
